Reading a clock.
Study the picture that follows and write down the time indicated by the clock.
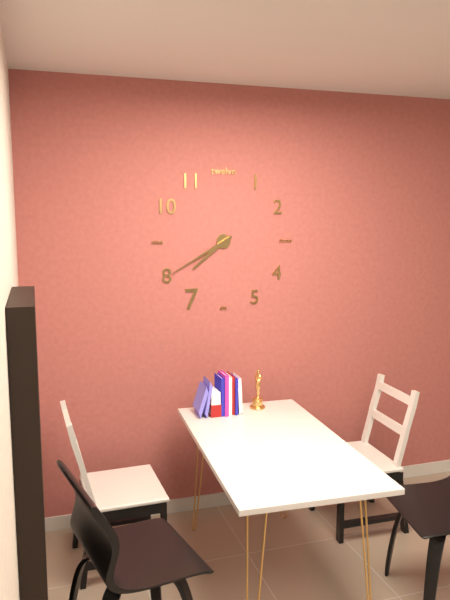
7:40
